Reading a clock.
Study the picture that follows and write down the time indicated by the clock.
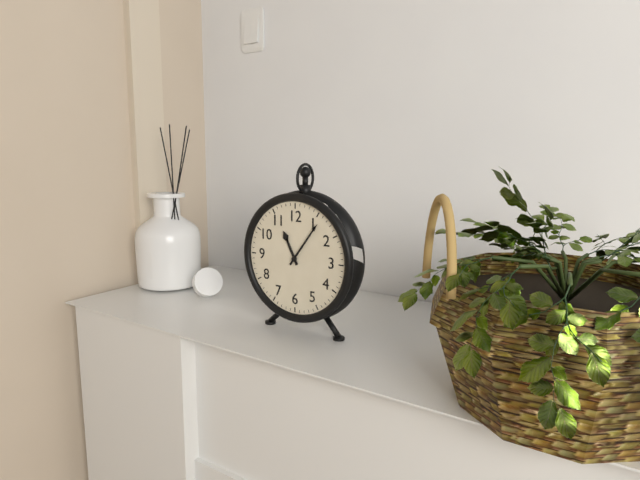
11:06
